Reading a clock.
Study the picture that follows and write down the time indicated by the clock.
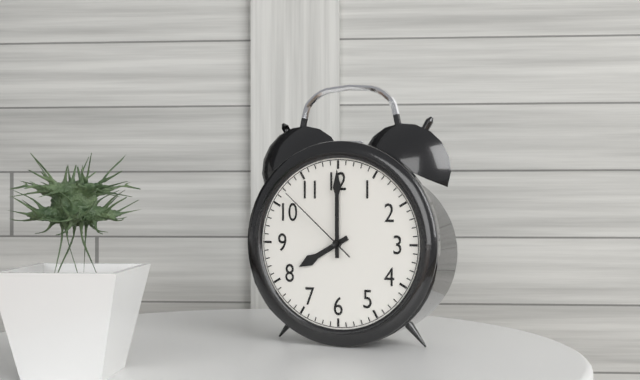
8:00:52
